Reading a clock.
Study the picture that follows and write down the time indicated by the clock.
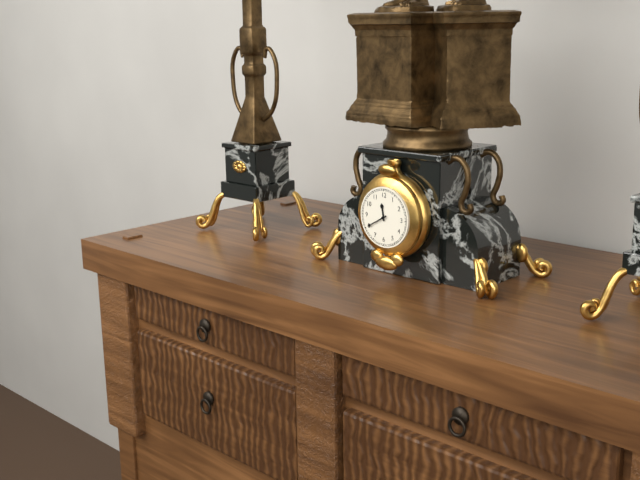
11:40
